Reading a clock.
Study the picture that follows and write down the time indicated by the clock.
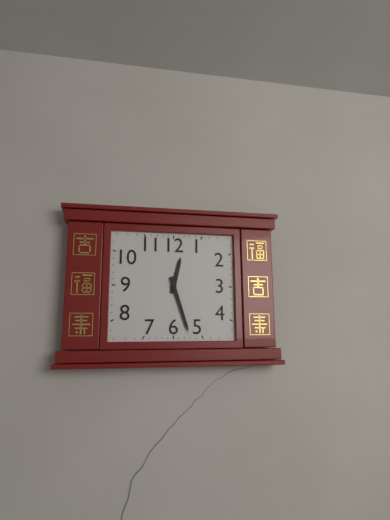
12:27
